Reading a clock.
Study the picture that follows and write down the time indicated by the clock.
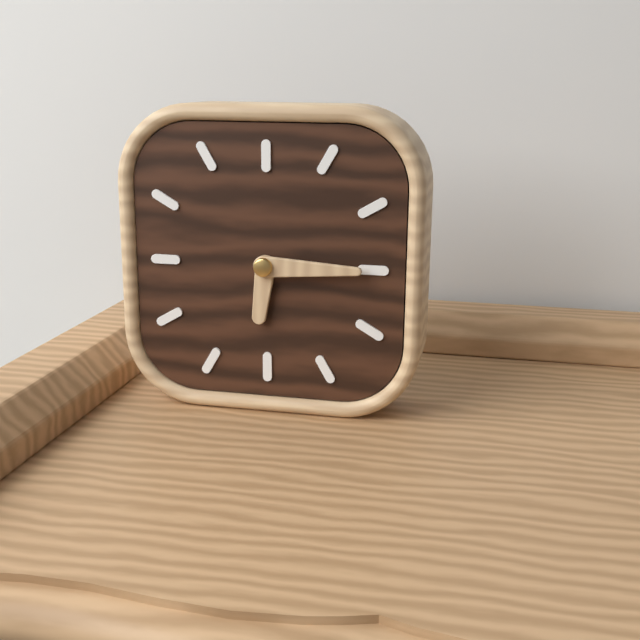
6:15
